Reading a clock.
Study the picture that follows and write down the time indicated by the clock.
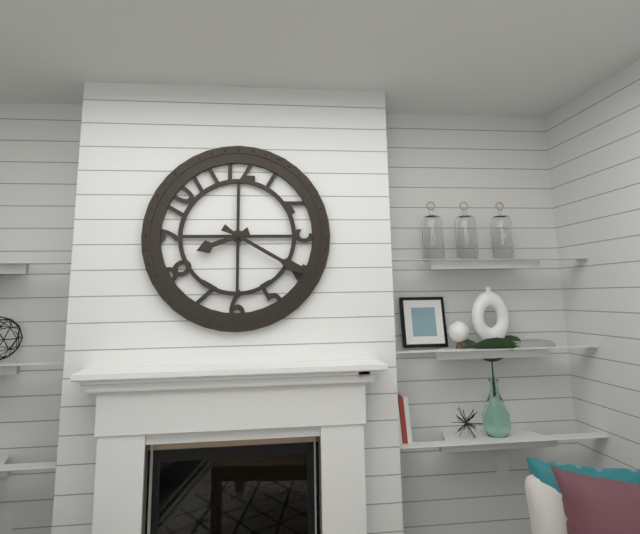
8:20
